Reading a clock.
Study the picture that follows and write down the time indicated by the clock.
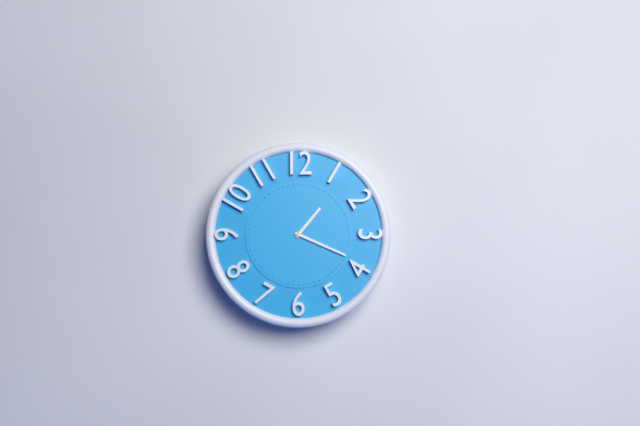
1:19
